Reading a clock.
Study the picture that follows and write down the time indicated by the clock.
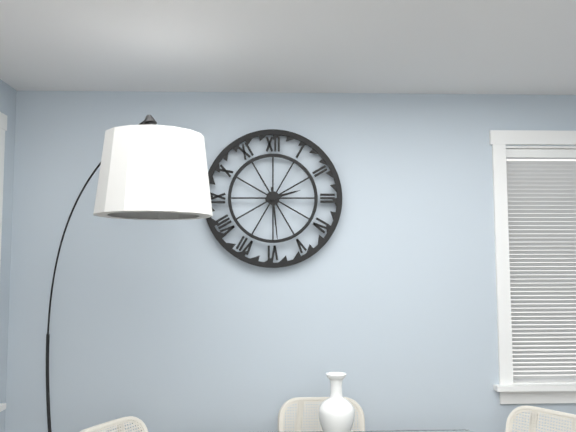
2:29
